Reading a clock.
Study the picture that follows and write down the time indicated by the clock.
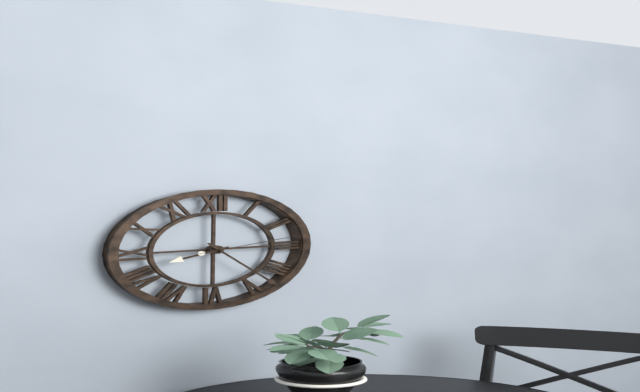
8:23:13
